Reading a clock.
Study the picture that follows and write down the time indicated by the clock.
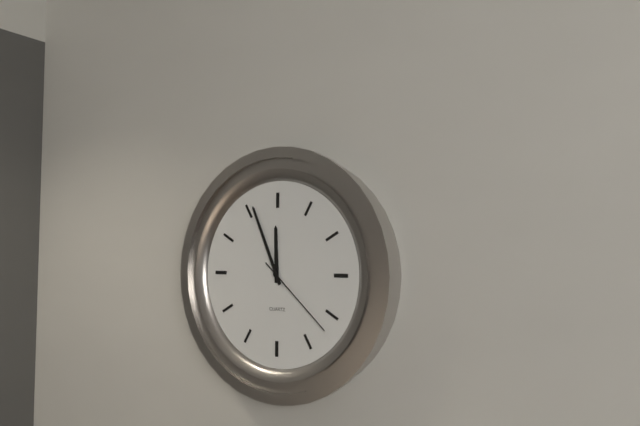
11:56:22
